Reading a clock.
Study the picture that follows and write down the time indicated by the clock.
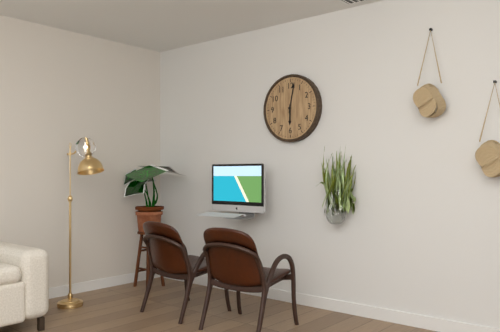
6:02
